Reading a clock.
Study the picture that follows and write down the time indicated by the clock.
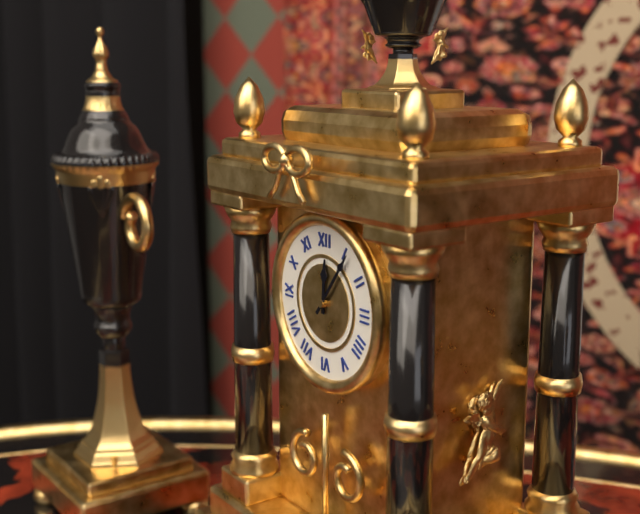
12:06
